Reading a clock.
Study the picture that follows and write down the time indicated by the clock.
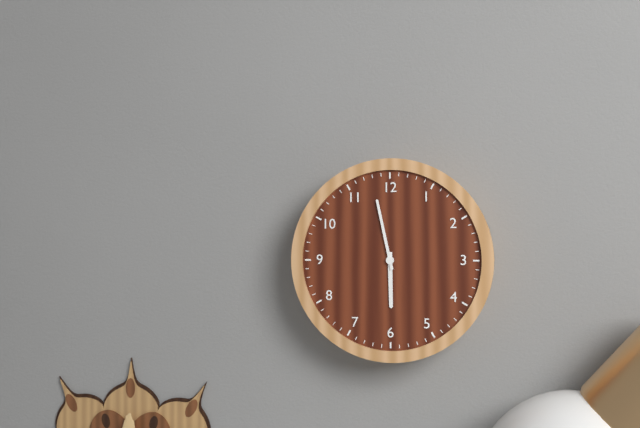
5:58
